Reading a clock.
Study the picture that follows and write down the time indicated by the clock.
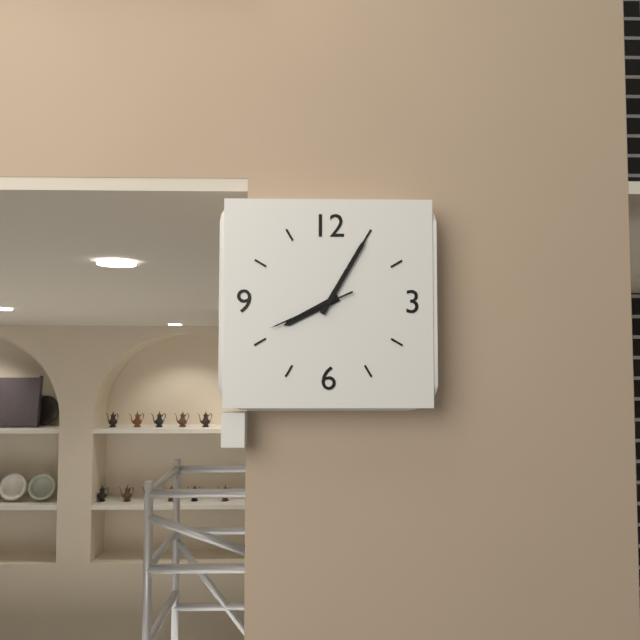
8:05:41
